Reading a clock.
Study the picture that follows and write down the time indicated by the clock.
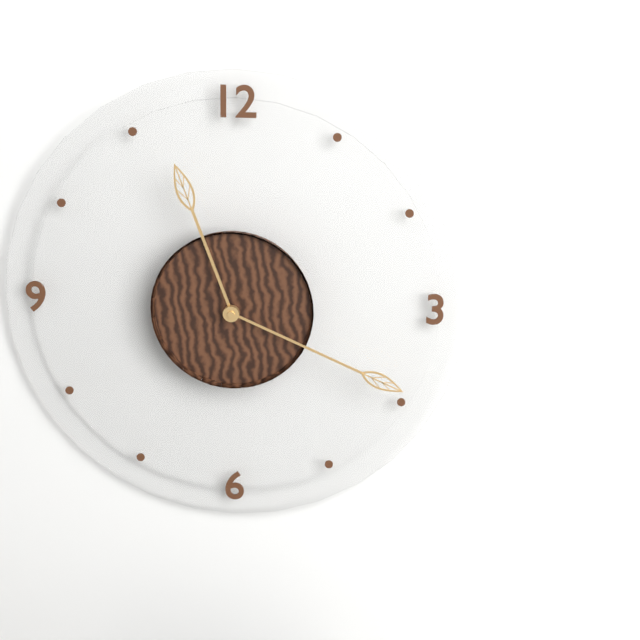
11:19
